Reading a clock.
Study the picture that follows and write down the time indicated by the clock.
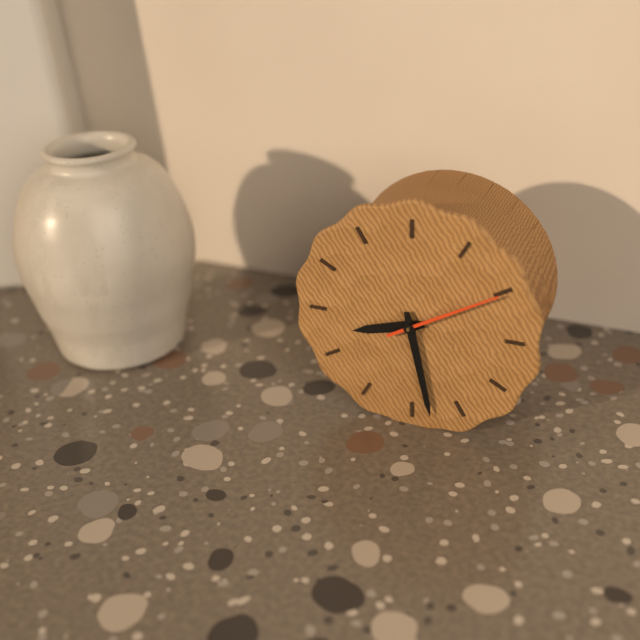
8:28:10
